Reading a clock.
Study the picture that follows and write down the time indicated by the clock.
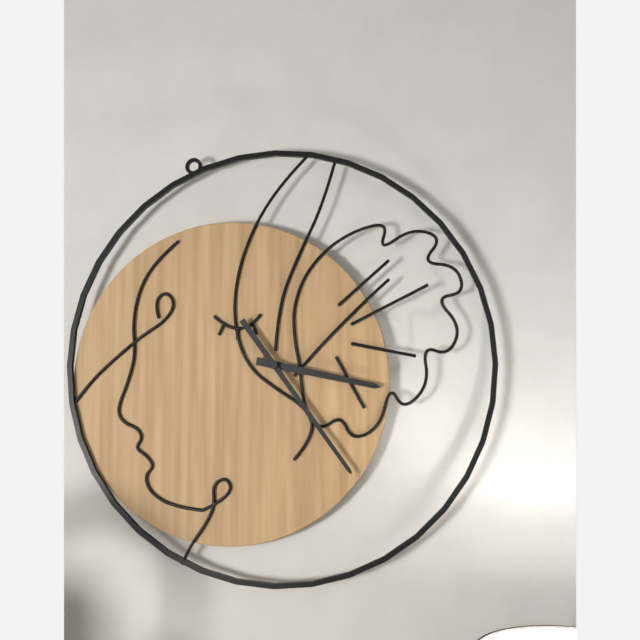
3:24
